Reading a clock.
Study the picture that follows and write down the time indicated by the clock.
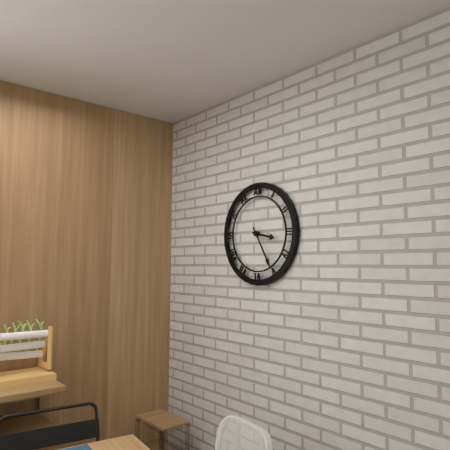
3:25
